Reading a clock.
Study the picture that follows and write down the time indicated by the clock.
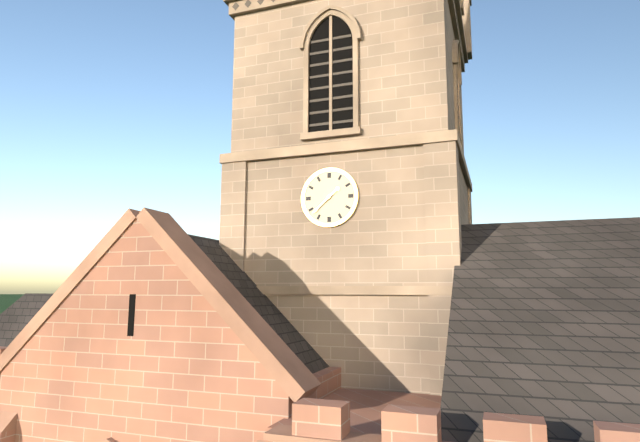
1:38
